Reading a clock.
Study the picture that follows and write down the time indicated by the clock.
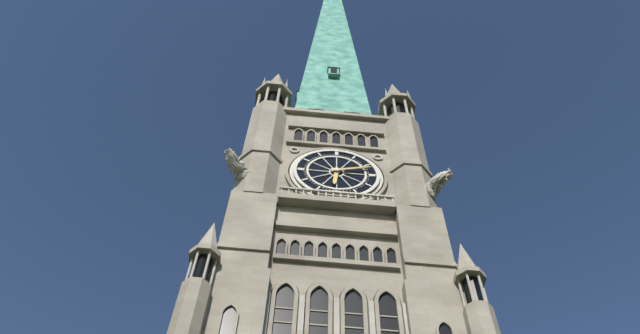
6:12
